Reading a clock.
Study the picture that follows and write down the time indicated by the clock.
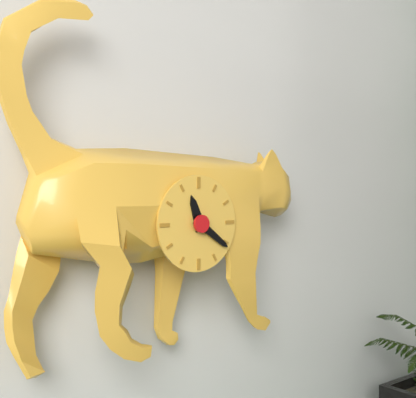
11:21
